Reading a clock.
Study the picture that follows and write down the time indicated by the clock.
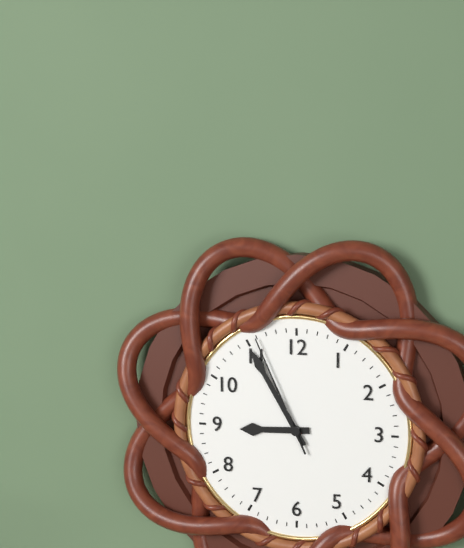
8:55:56
